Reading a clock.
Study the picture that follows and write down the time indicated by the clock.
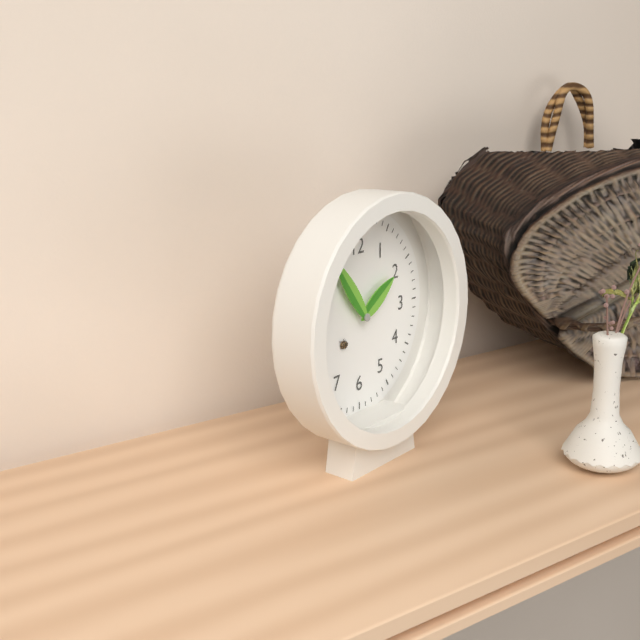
1:54
